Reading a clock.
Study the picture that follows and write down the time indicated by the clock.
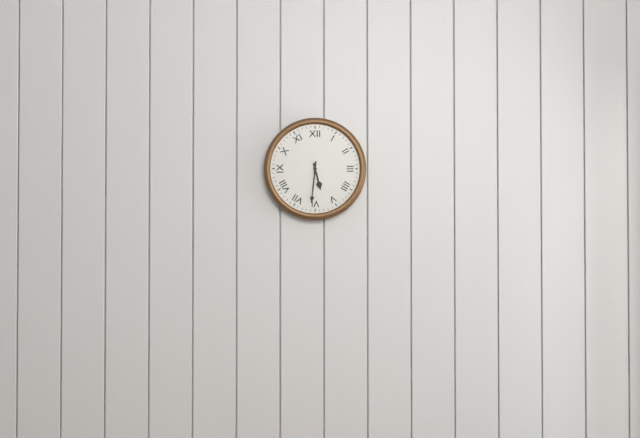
5:31
